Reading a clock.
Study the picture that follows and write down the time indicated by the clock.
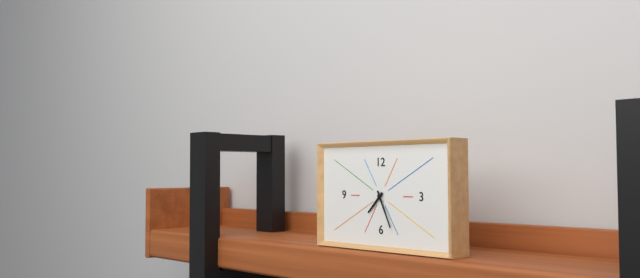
7:26
